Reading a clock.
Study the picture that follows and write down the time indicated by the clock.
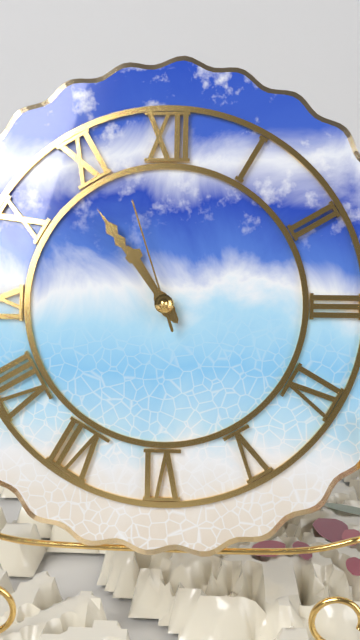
10:54:57
